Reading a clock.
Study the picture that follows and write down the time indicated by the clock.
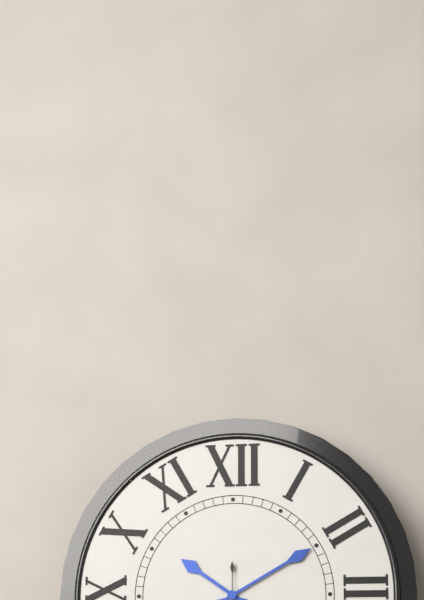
10:10
